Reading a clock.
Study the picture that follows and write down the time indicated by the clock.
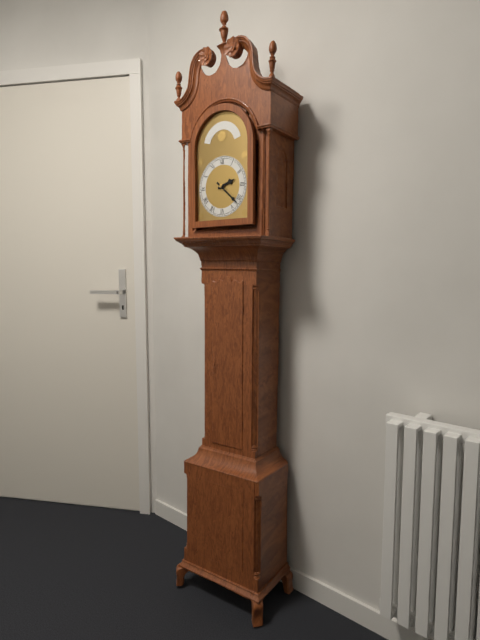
2:22
